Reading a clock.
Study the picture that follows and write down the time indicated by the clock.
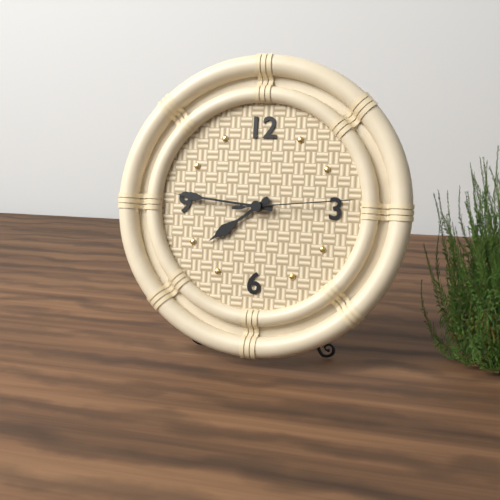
7:46:14
